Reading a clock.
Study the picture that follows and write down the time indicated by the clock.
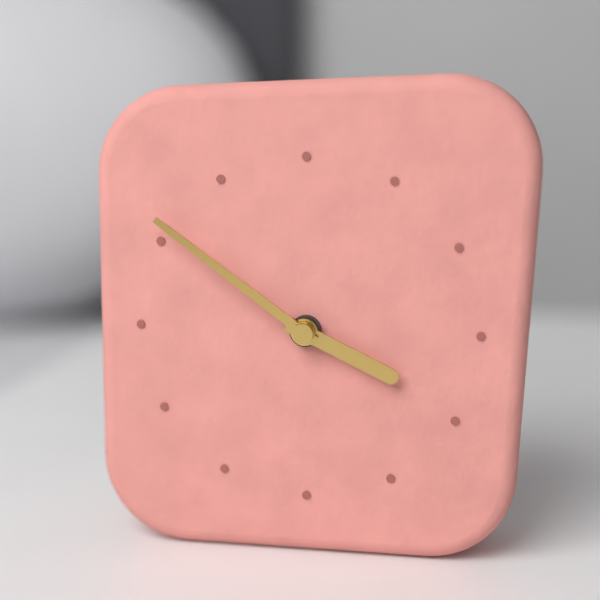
3:51
